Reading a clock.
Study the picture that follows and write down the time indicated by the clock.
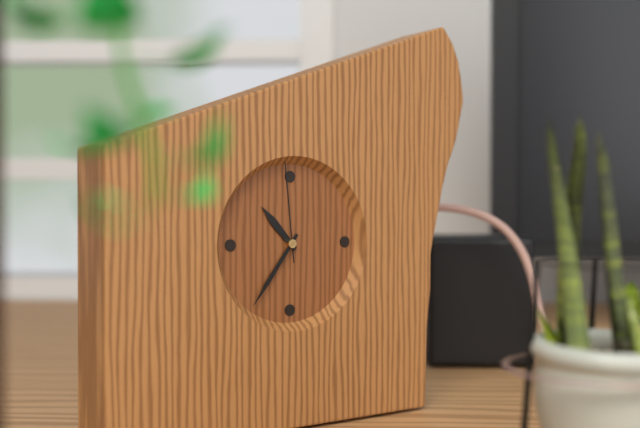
10:36:59
